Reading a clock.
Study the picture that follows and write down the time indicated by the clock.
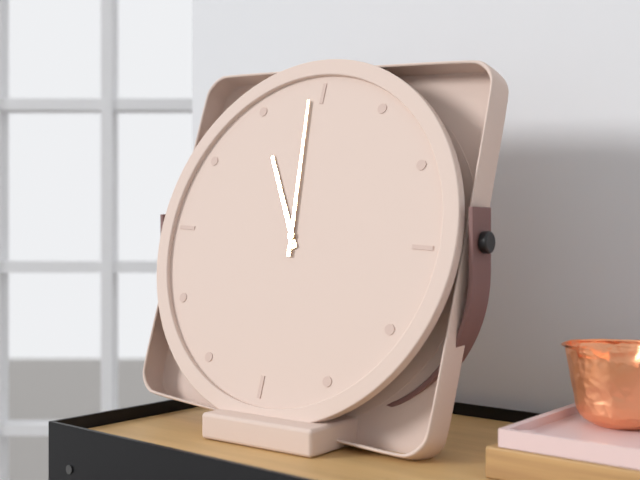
10:59
